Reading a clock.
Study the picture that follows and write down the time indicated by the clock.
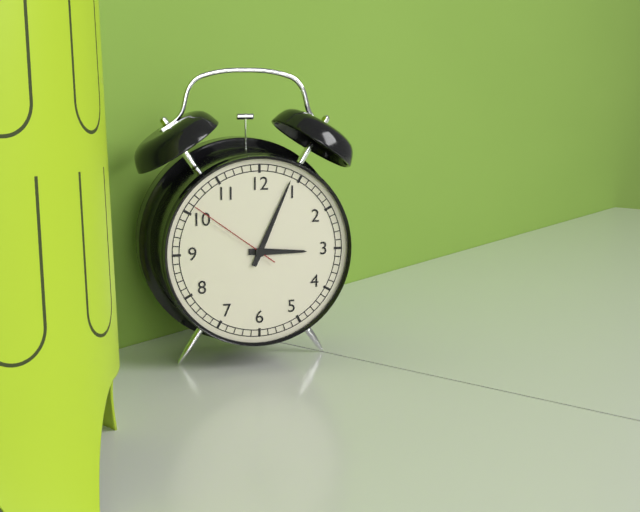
3:04:51
